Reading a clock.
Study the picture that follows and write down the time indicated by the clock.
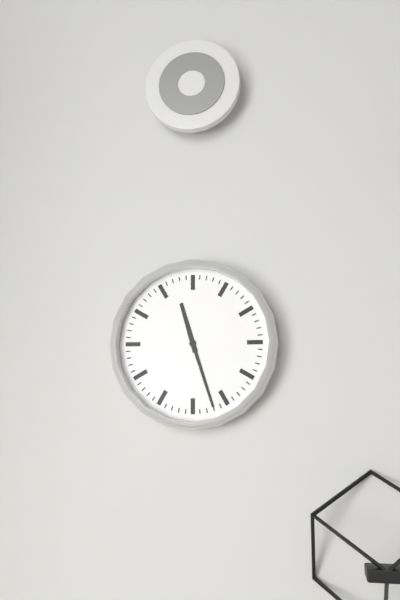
11:27
